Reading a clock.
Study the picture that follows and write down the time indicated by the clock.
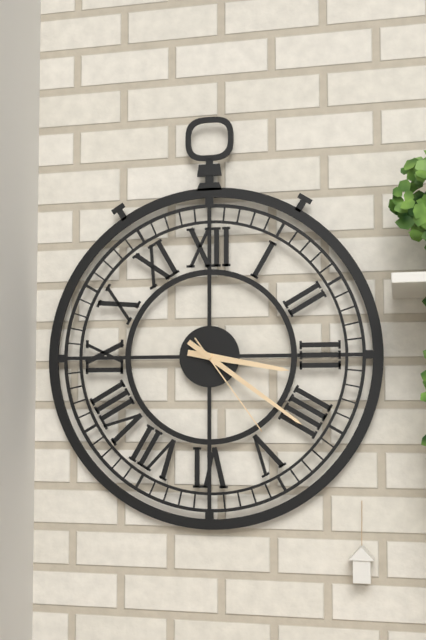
3:21:24
